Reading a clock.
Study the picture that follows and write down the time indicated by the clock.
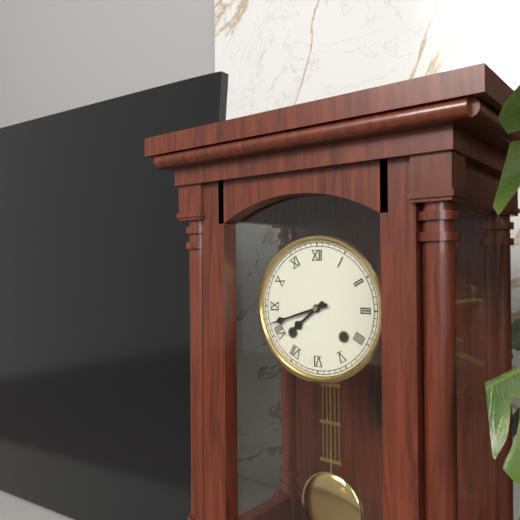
7:42
